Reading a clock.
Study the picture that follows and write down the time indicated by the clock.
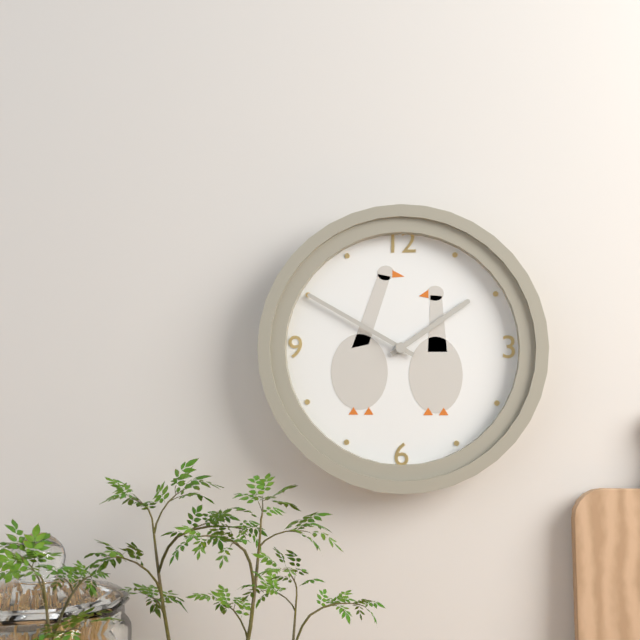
1:50
